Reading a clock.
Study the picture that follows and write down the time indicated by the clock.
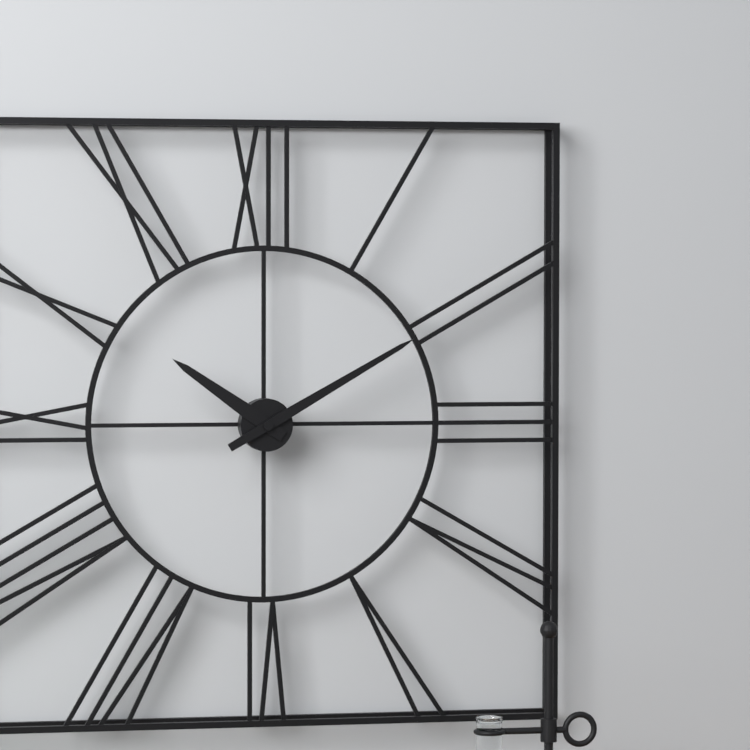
10:10
